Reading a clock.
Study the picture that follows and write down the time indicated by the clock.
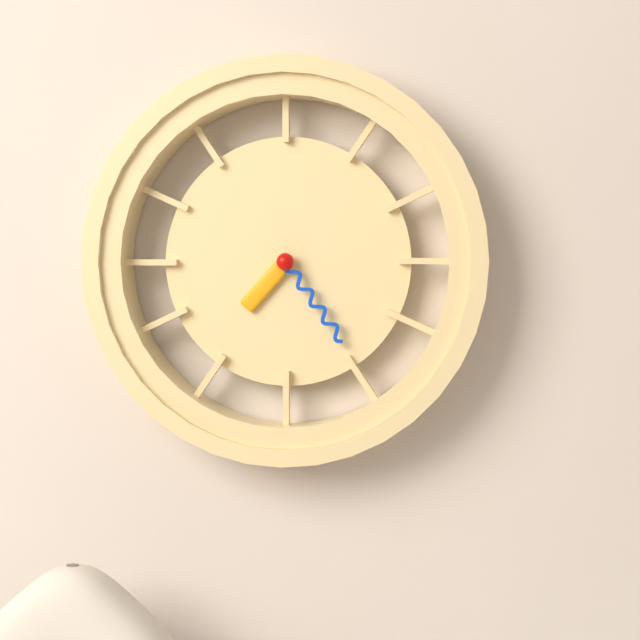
7:24
